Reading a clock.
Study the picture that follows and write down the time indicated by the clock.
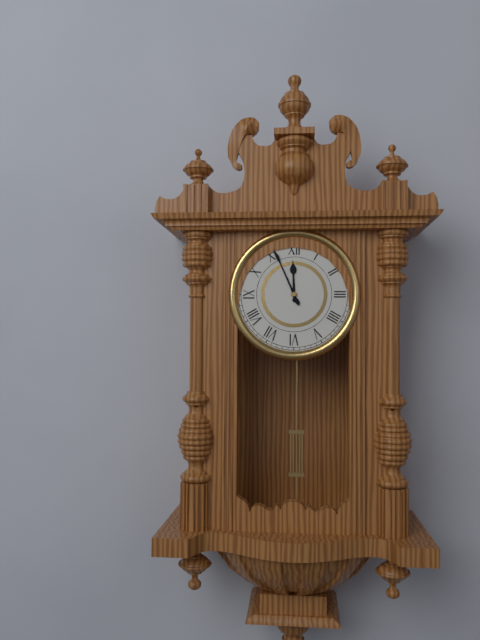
11:56
